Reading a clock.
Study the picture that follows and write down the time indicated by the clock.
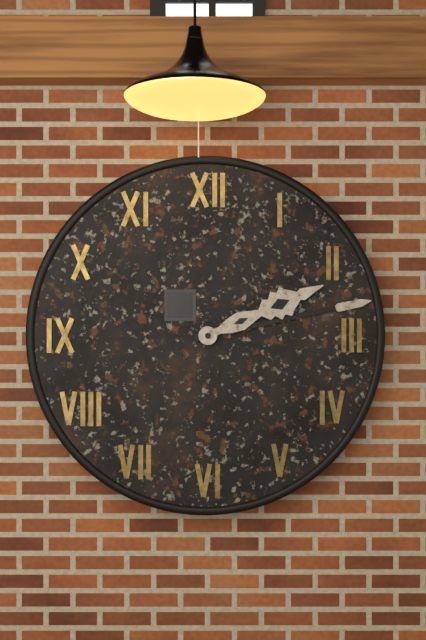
2:13
